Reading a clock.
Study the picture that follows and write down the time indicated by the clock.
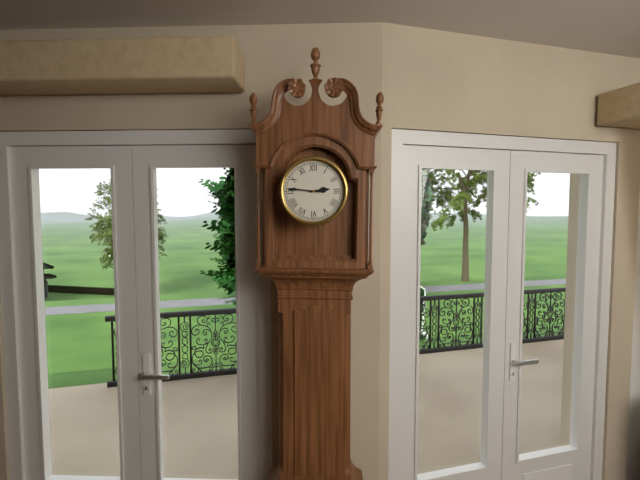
2:46
